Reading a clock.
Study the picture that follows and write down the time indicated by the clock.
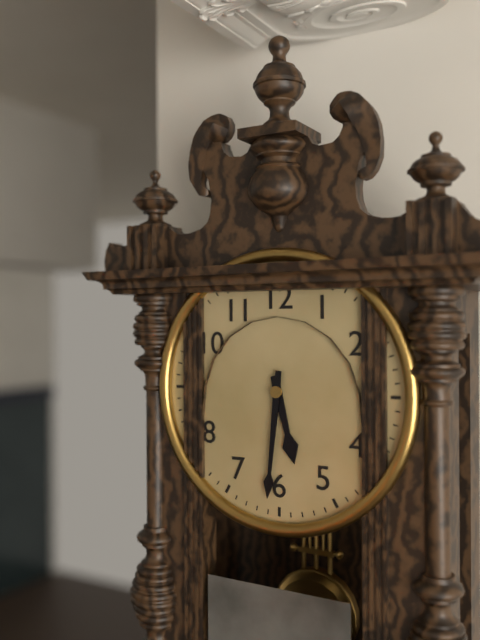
5:31
